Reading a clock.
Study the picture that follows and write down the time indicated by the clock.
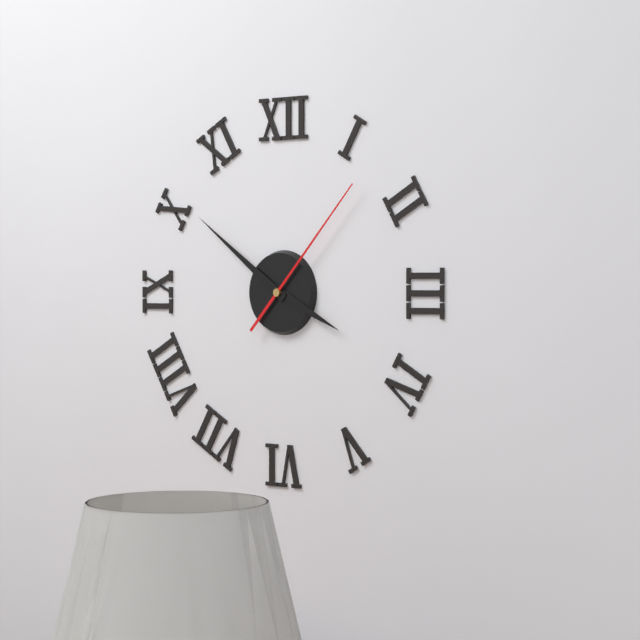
3:51:07
